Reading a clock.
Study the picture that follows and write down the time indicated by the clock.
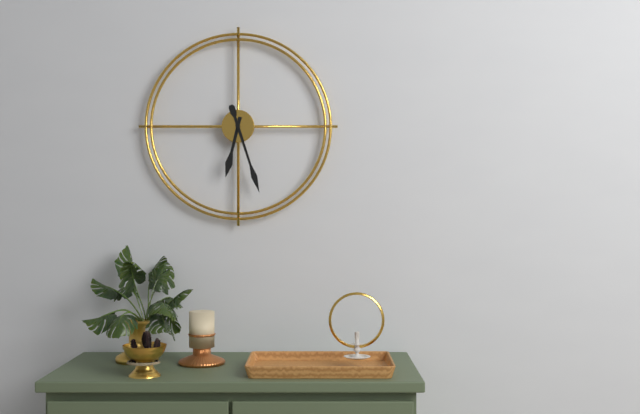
6:27
